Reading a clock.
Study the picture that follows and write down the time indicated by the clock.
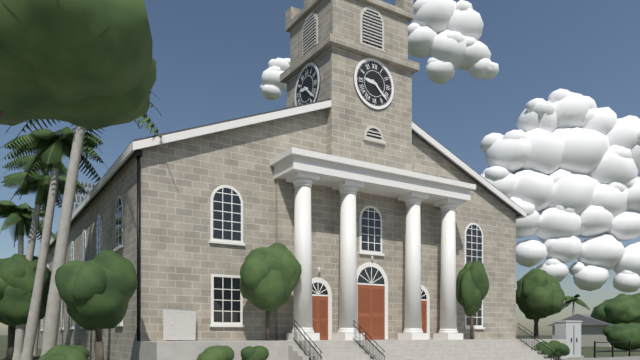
9:22
